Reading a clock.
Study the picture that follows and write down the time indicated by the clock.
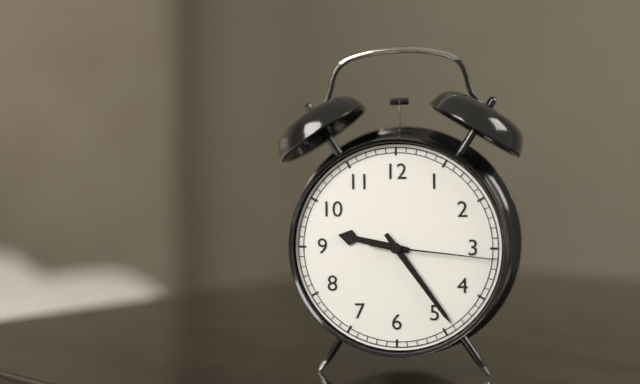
9:24:16
